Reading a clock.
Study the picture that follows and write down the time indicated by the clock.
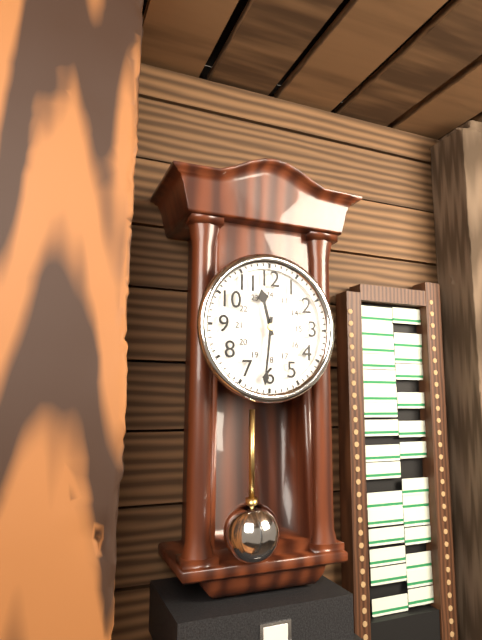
11:31
